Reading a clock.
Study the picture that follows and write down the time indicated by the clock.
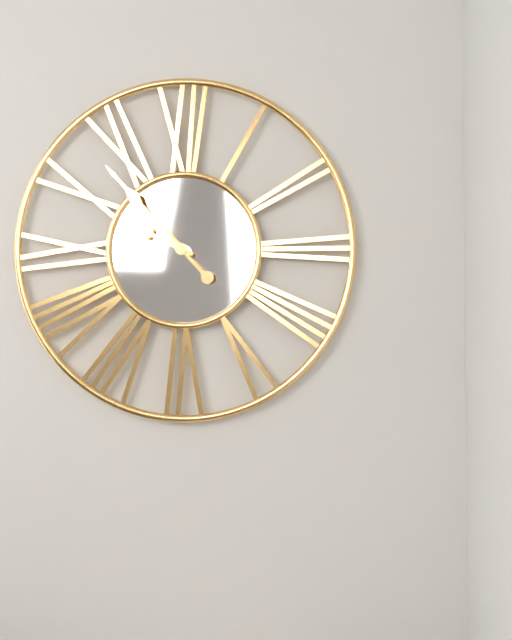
9:53
